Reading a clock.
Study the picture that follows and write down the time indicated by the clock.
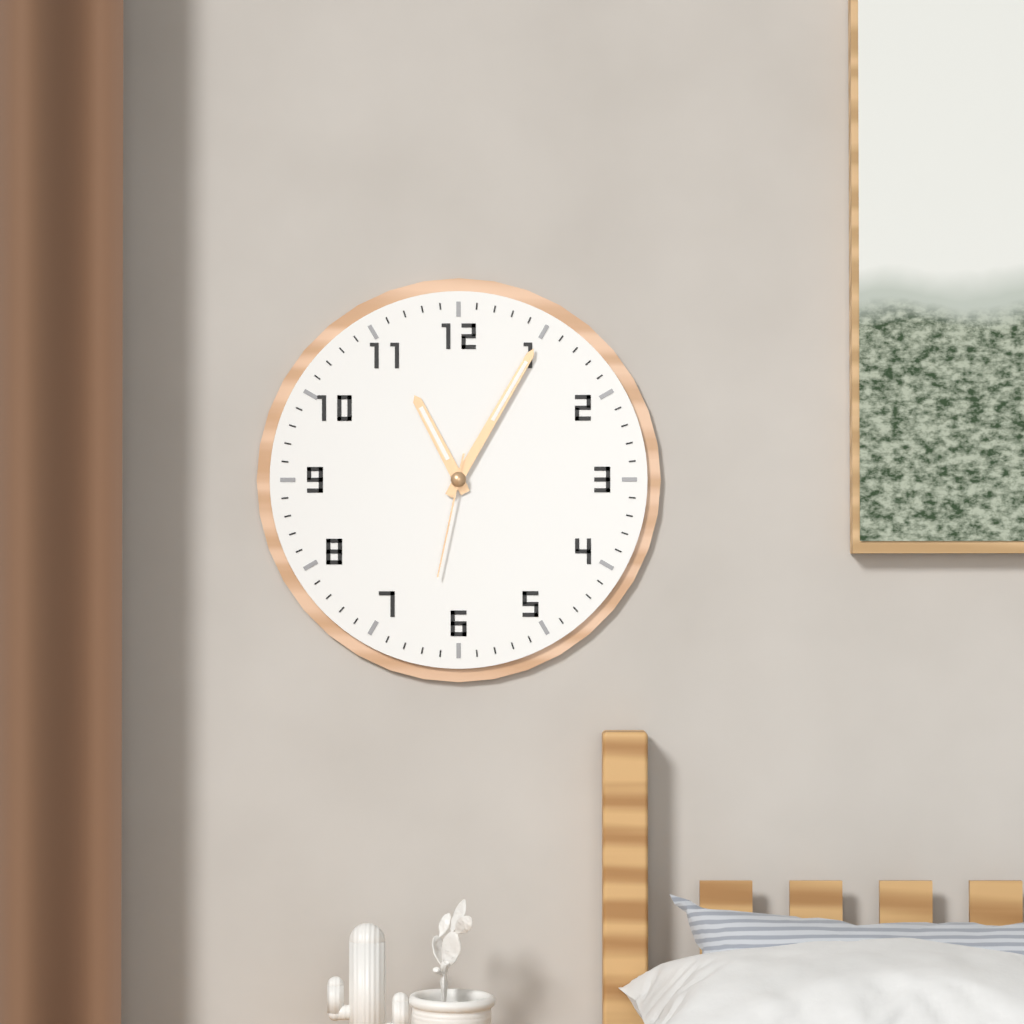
11:05:32
